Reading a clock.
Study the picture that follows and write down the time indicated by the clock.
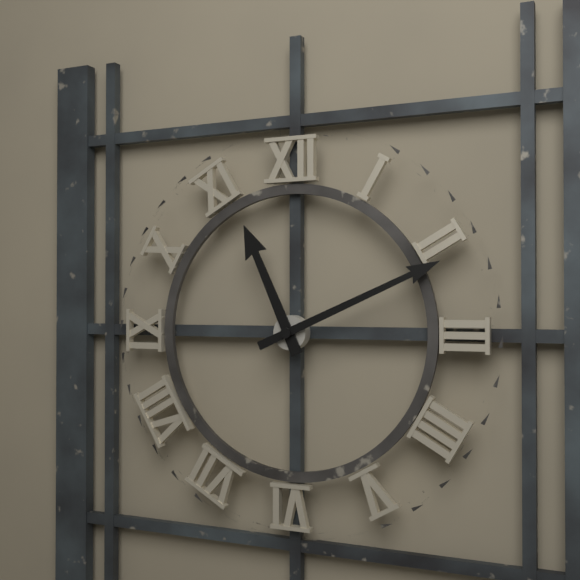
11:11
